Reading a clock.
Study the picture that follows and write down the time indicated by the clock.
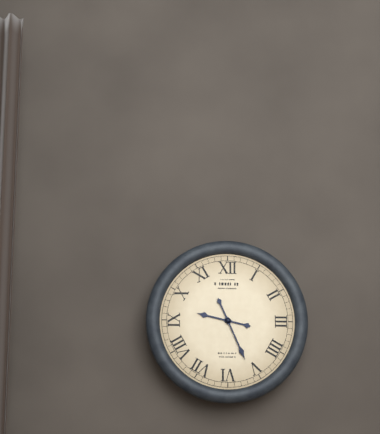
9:26
